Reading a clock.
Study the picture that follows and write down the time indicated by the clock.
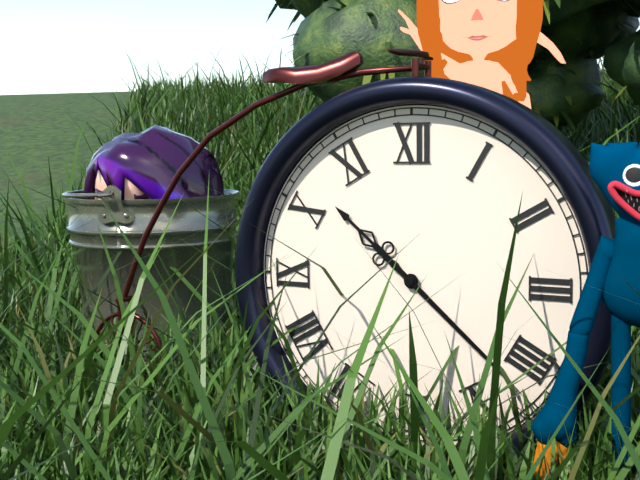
10:22
